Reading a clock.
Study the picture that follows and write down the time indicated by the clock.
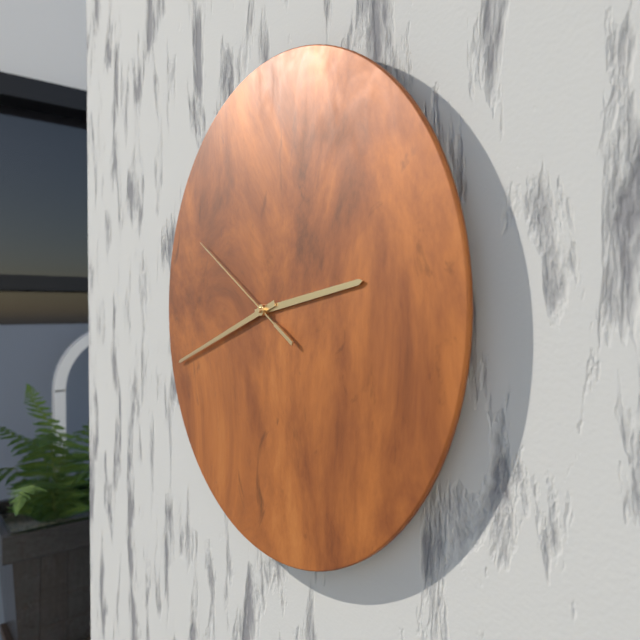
2:42:50
